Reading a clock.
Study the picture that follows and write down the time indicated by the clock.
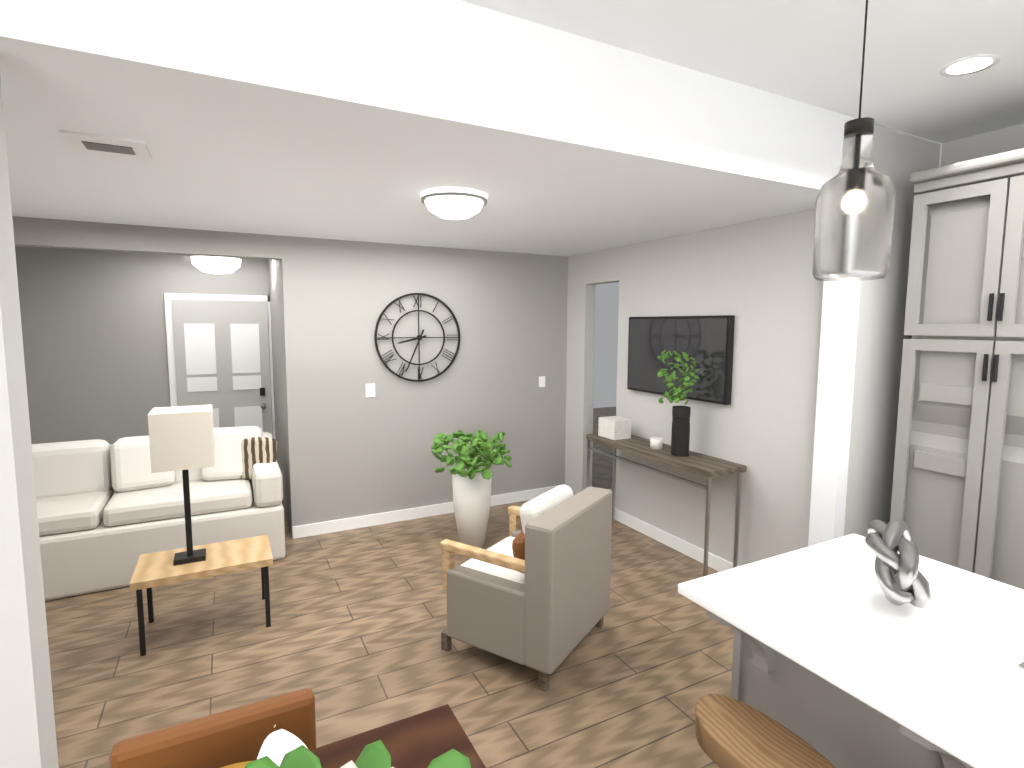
8:34
